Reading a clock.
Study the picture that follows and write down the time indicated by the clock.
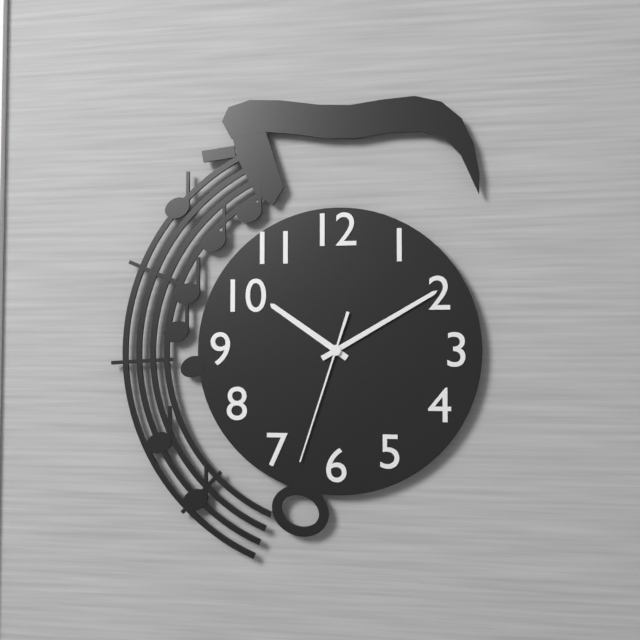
10:10:33
